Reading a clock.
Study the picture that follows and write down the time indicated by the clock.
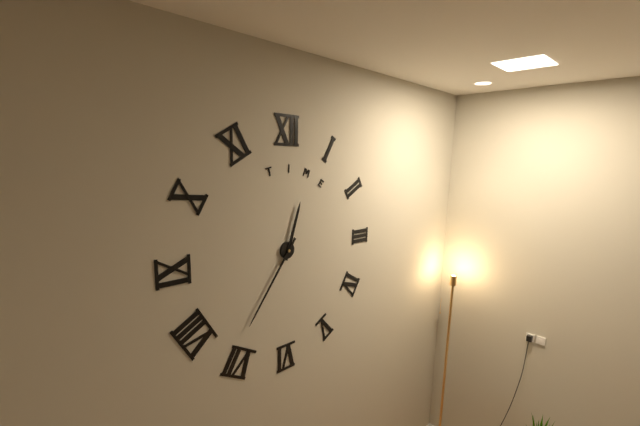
12:36
